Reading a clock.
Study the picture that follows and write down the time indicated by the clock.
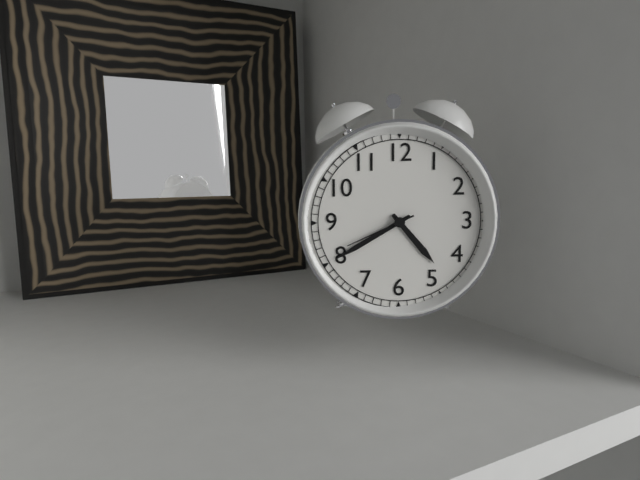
4:40:41
